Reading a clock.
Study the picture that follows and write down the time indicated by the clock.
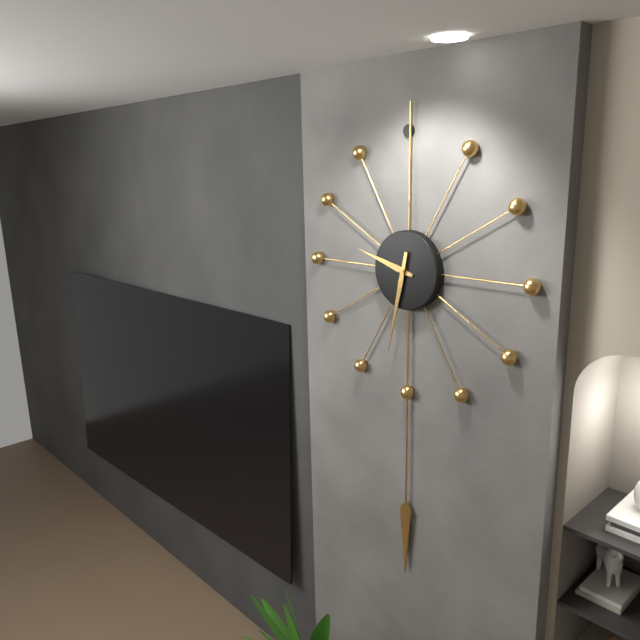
9:32
